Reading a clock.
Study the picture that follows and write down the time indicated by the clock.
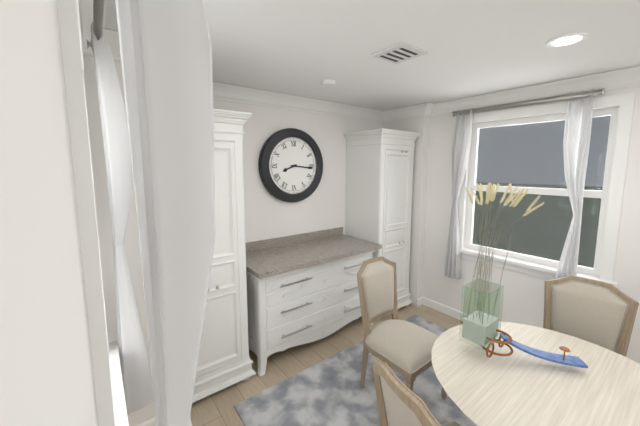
8:16
